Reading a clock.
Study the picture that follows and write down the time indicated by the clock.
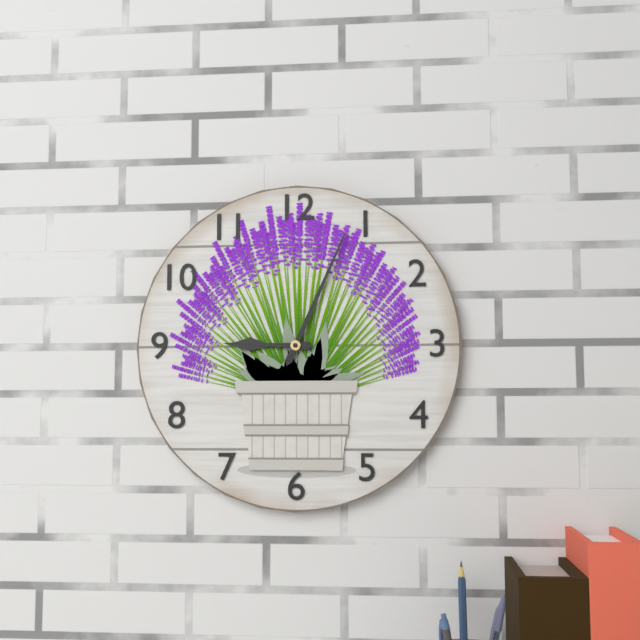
9:04
